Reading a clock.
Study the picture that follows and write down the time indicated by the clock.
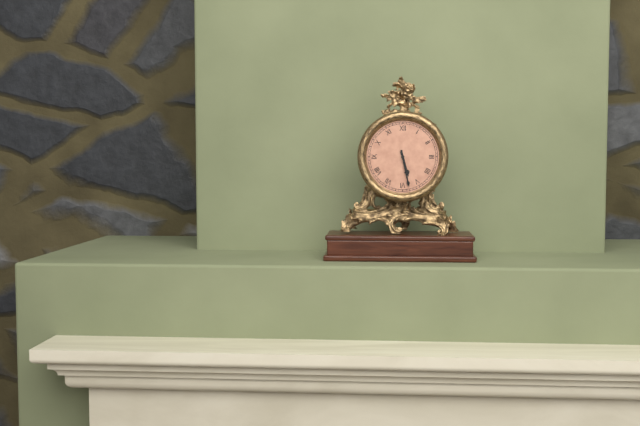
5:28
